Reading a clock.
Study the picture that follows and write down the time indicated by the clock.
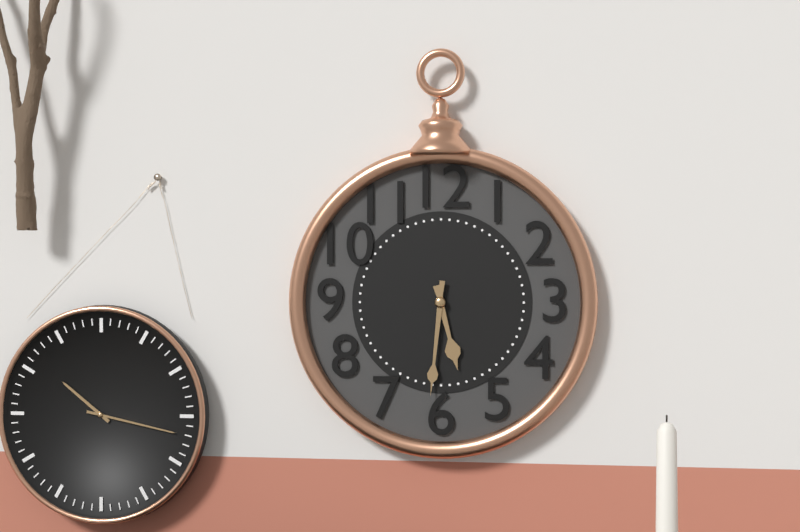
5:31
